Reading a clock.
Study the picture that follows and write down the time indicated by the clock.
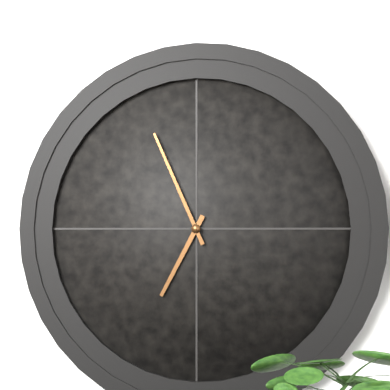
6:56
